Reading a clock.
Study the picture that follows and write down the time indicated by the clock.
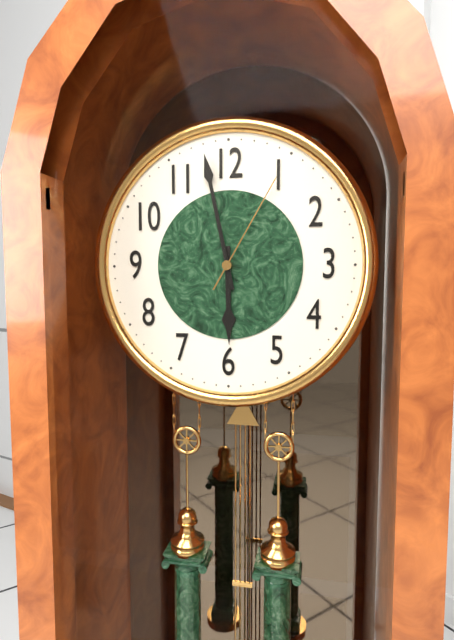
5:58:05
